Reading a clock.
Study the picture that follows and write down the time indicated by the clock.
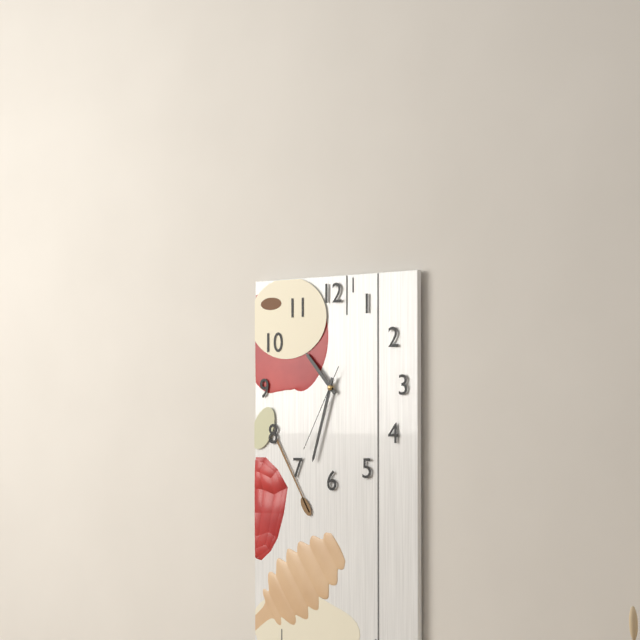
10:33:35
